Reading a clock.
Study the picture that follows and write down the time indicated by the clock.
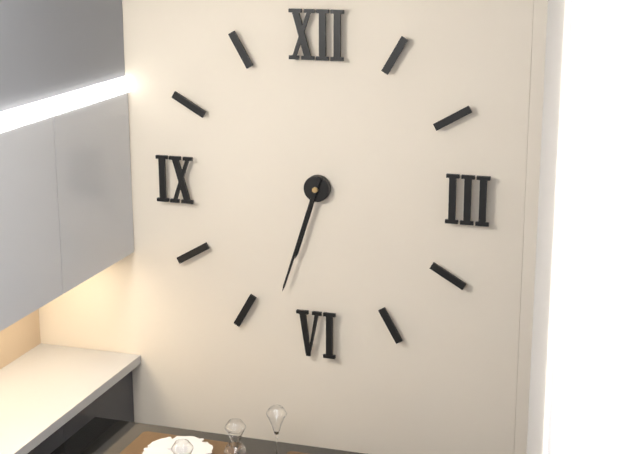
6:33
